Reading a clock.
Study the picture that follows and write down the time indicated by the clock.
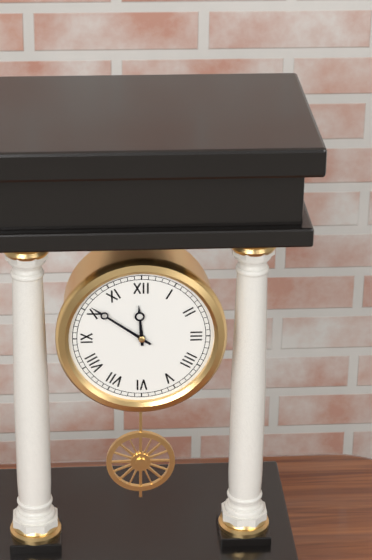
11:51
